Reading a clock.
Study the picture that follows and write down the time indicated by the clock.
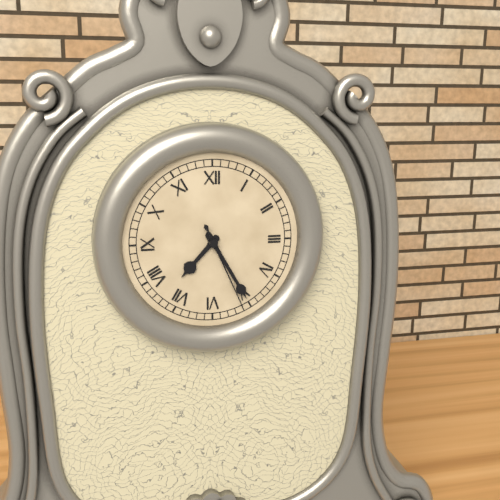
7:25:26
